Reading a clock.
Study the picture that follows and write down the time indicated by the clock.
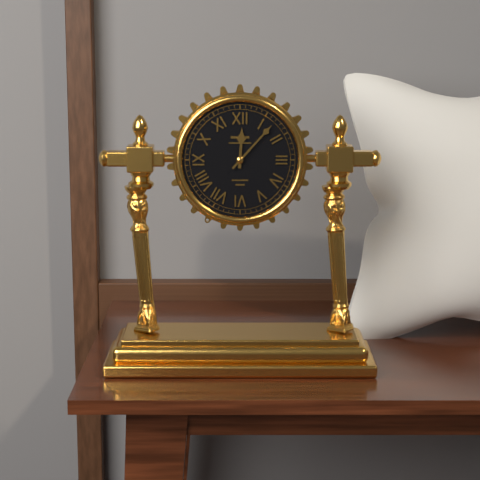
12:07
